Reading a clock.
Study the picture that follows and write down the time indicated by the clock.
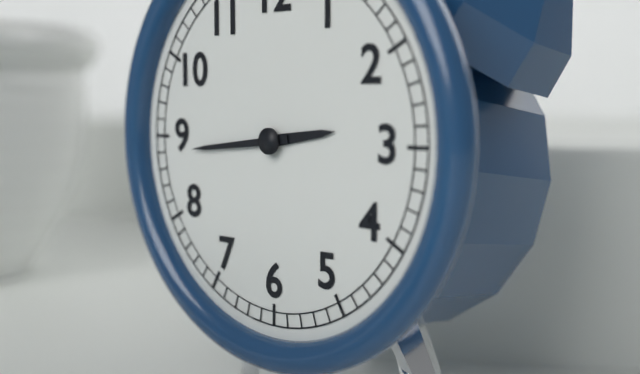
2:44
